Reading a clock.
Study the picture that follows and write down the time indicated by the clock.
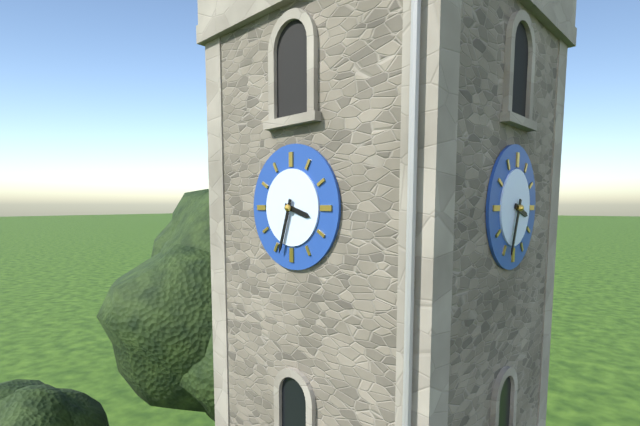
3:33
